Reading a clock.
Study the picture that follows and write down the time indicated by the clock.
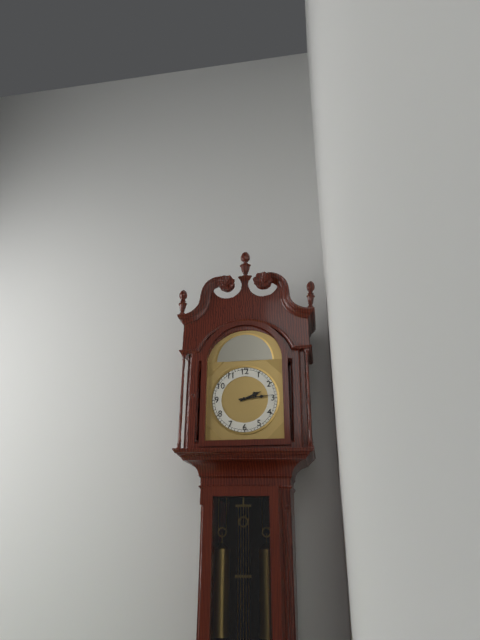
2:14
